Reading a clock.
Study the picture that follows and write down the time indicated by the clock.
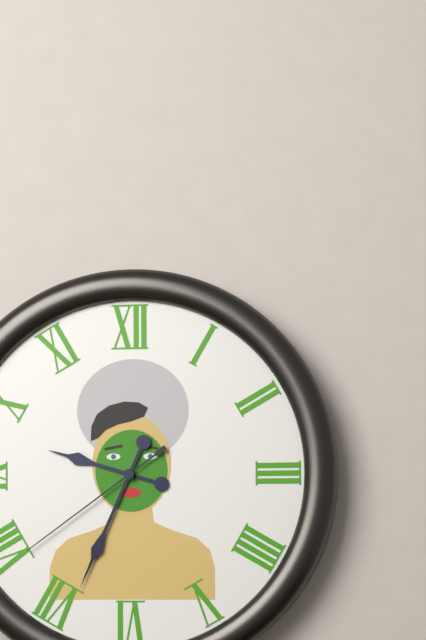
9:34:39
